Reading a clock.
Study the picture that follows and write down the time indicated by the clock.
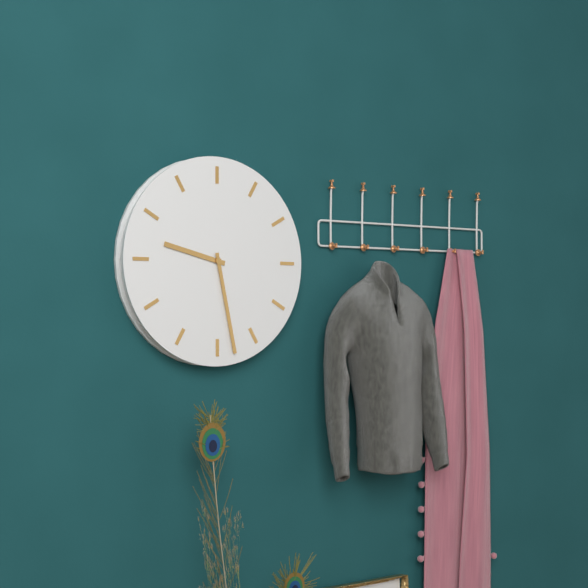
9:28
